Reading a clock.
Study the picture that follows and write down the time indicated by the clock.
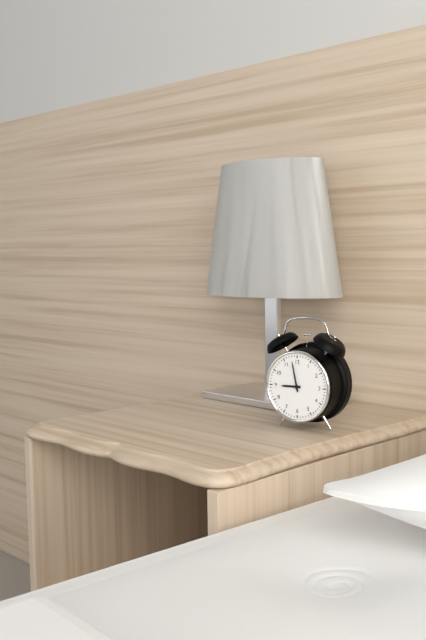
8:58
